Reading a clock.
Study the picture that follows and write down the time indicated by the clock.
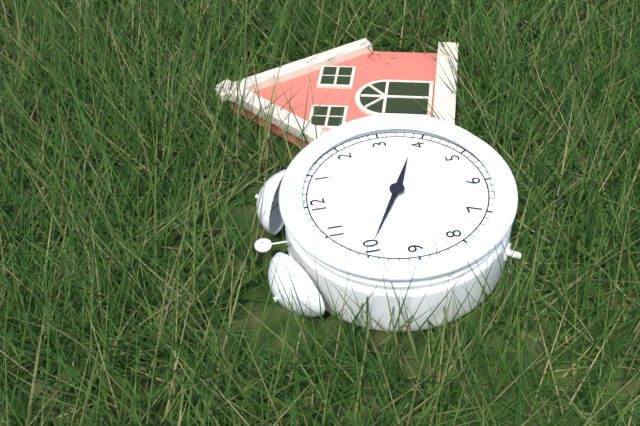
3:50
